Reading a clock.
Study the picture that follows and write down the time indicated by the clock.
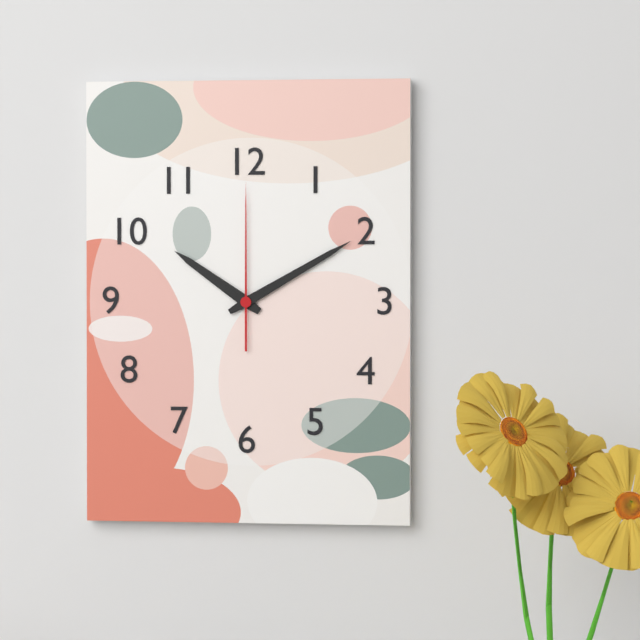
10:10:00
